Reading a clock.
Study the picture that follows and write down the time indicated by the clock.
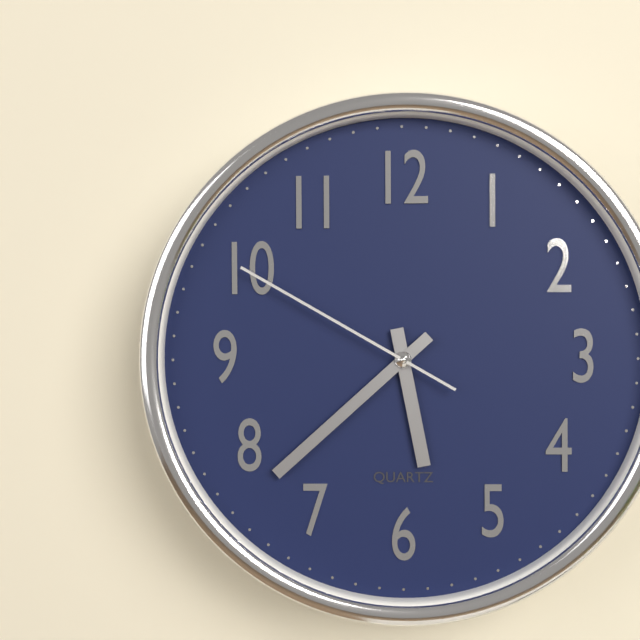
5:38:50
